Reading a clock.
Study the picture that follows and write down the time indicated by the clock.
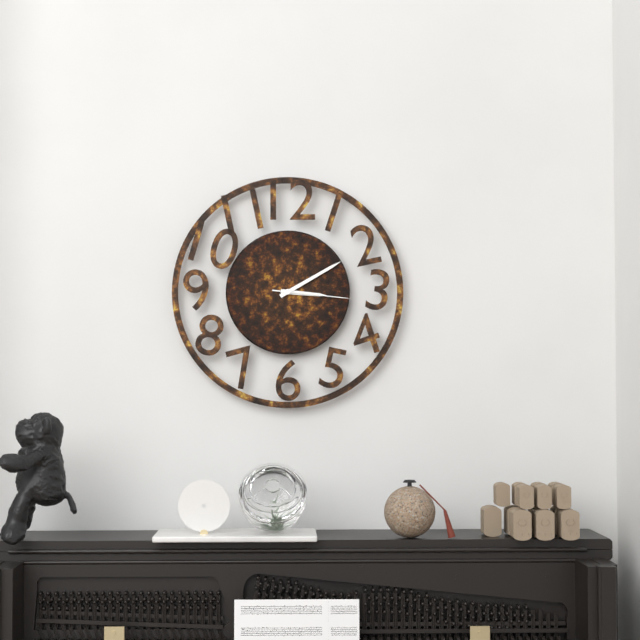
3:10:16
